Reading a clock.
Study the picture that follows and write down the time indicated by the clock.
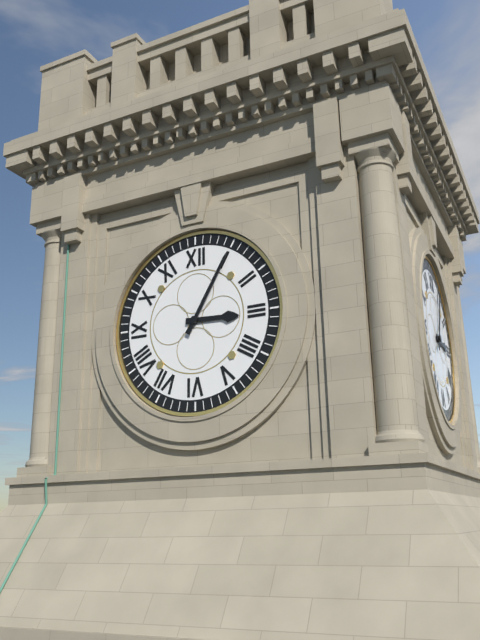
3:05
